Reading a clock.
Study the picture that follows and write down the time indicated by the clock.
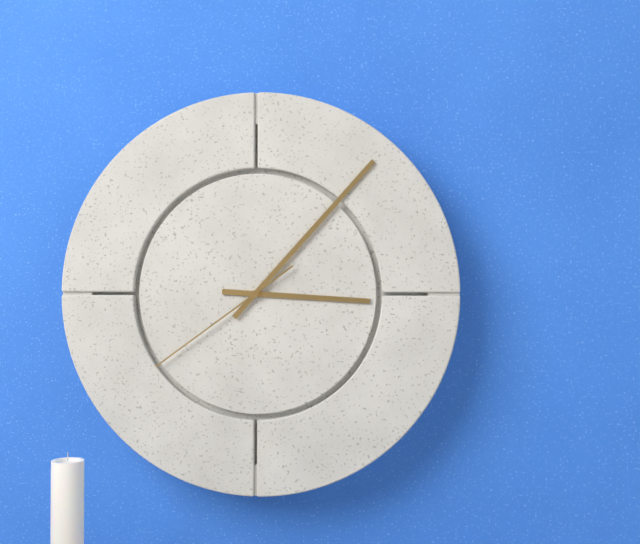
3:07:39
